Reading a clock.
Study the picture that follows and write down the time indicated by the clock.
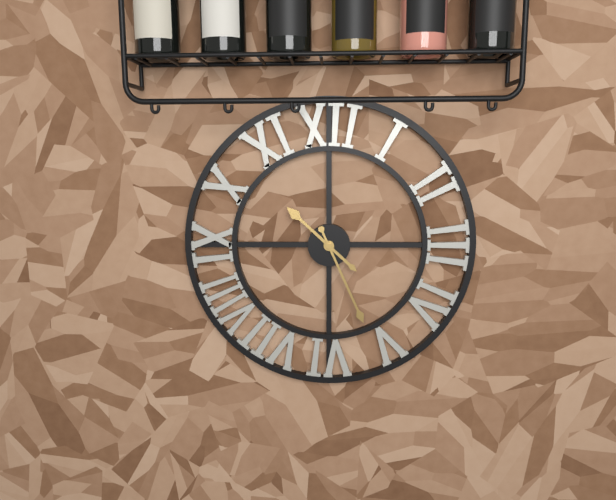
10:26
